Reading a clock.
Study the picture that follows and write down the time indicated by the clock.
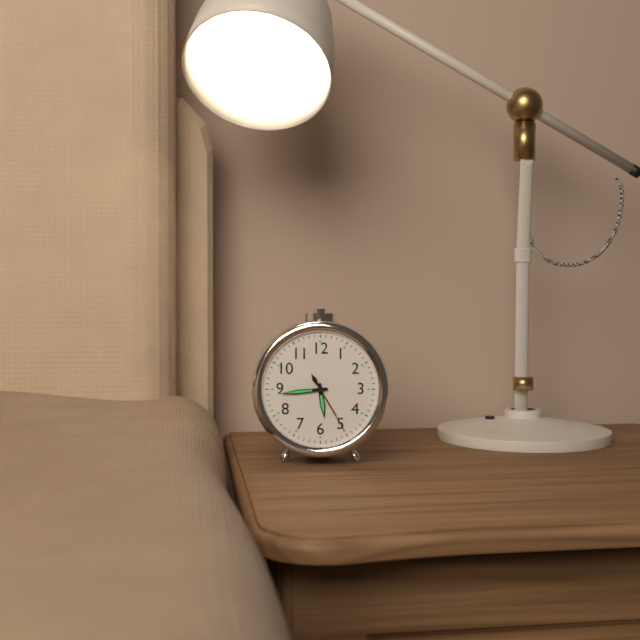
5:44:25
